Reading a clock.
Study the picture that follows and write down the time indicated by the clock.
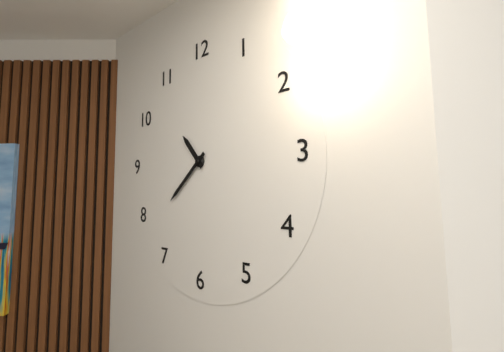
10:38
